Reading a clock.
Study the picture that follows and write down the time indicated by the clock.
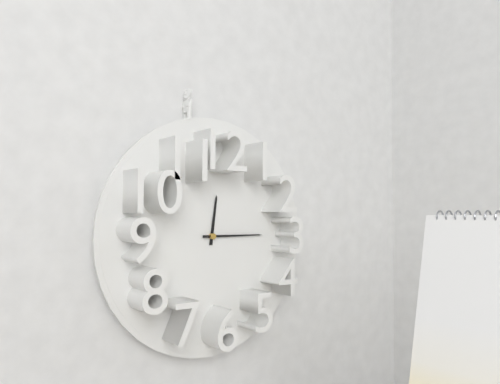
12:15
